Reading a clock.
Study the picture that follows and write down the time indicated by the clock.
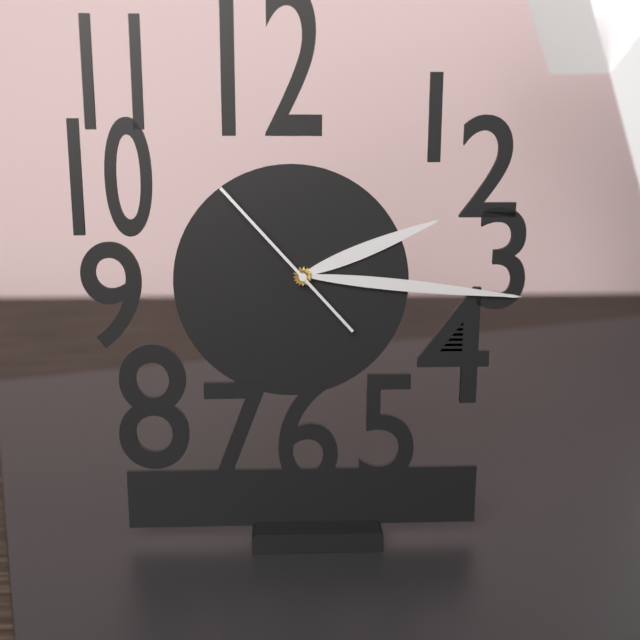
2:16:53
